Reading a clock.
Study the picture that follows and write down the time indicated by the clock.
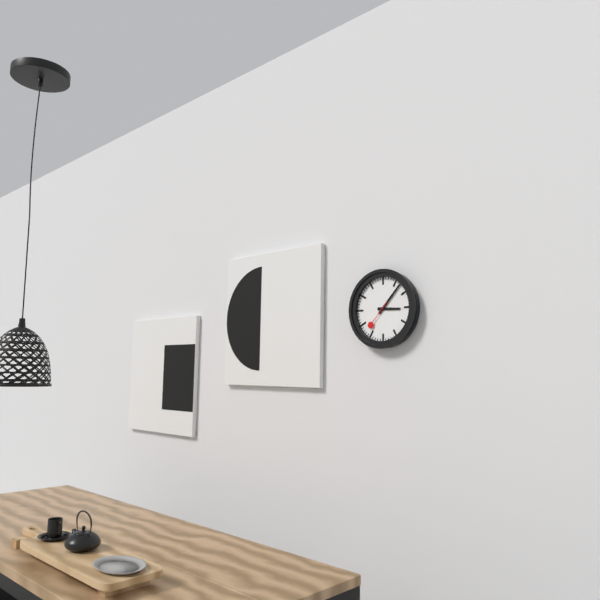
3:07
